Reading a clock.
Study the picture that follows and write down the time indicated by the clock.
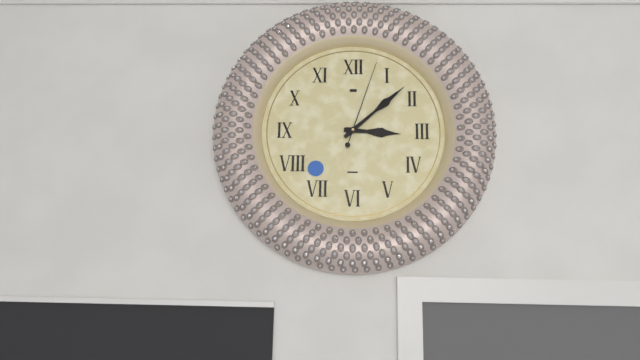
3:08:03
